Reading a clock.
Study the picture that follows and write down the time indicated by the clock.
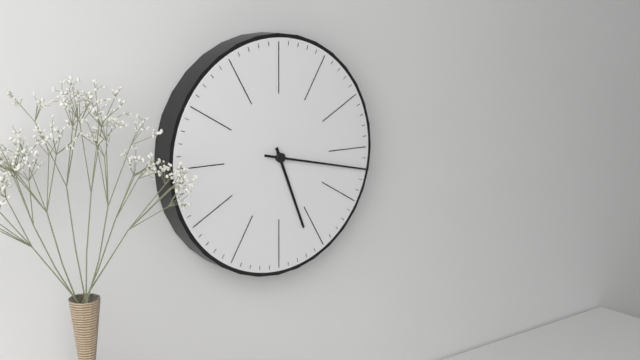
5:17
